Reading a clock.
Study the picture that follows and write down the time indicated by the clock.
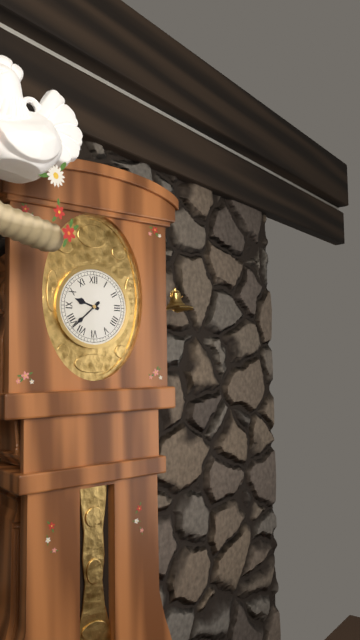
9:38
